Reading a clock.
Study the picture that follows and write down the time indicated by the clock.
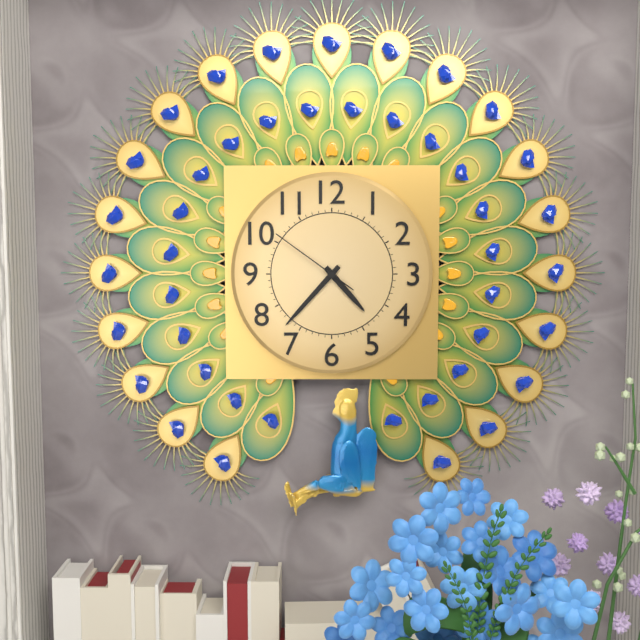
4:37:51
